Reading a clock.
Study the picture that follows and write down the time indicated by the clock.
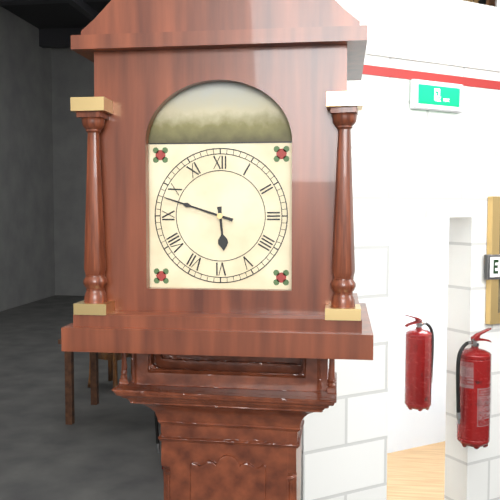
5:48
